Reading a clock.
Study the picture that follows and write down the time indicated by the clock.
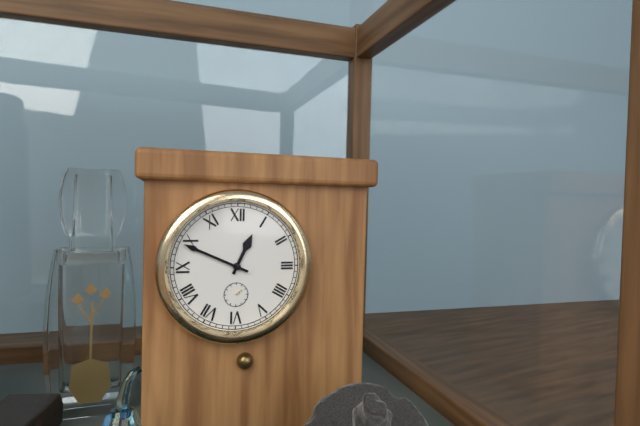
12:49
